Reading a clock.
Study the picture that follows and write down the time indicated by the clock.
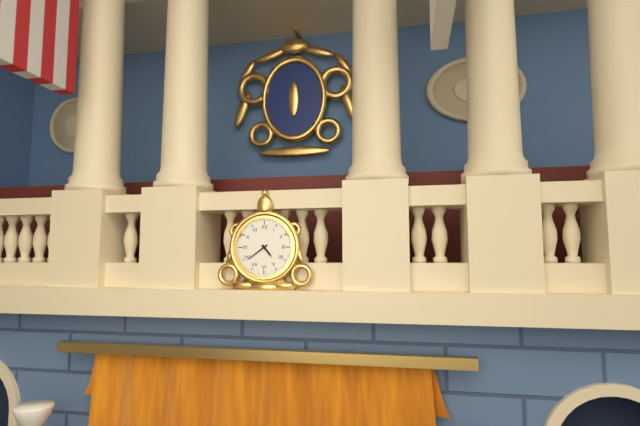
4:39
